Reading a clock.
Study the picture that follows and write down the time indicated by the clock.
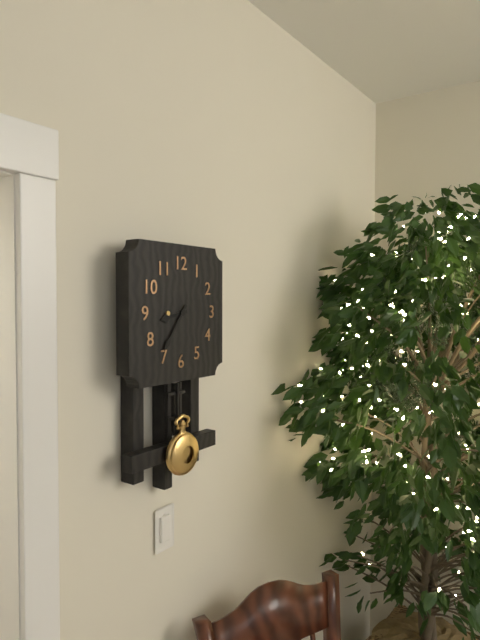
8:36
